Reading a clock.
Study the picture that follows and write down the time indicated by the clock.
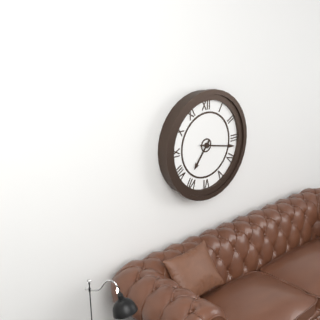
7:17
